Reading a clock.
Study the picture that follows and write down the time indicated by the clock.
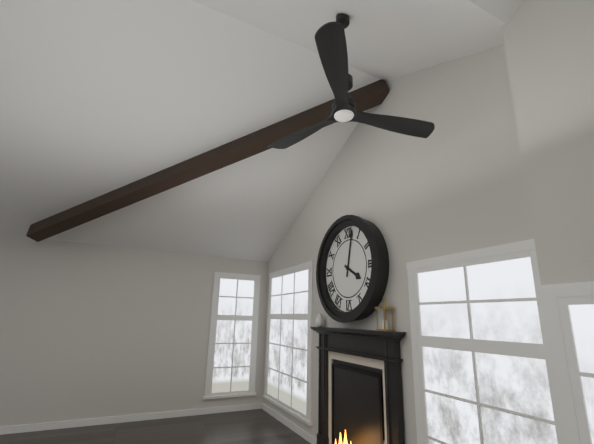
4:02
